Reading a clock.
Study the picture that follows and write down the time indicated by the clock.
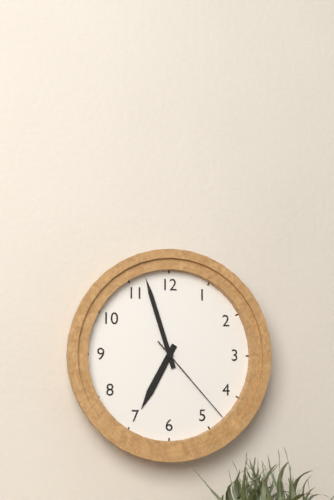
6:57:23
